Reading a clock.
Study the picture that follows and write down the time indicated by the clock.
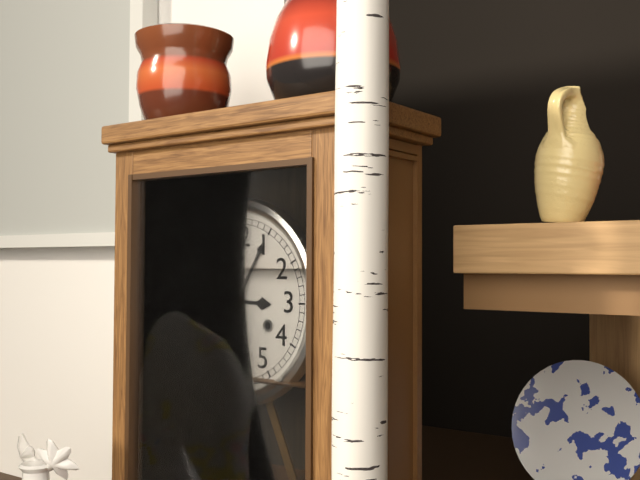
3:05
